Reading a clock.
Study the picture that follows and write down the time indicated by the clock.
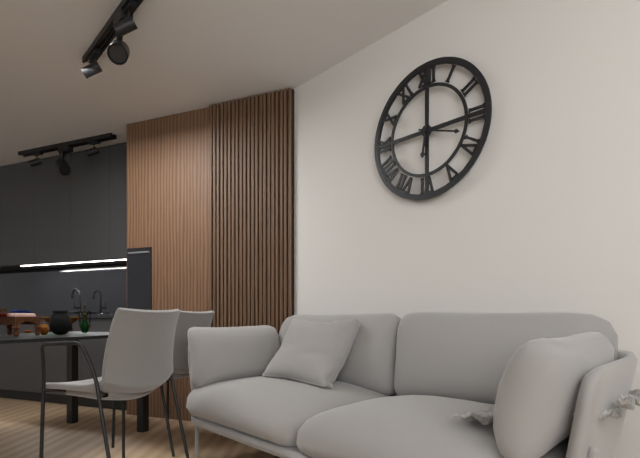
6:18
